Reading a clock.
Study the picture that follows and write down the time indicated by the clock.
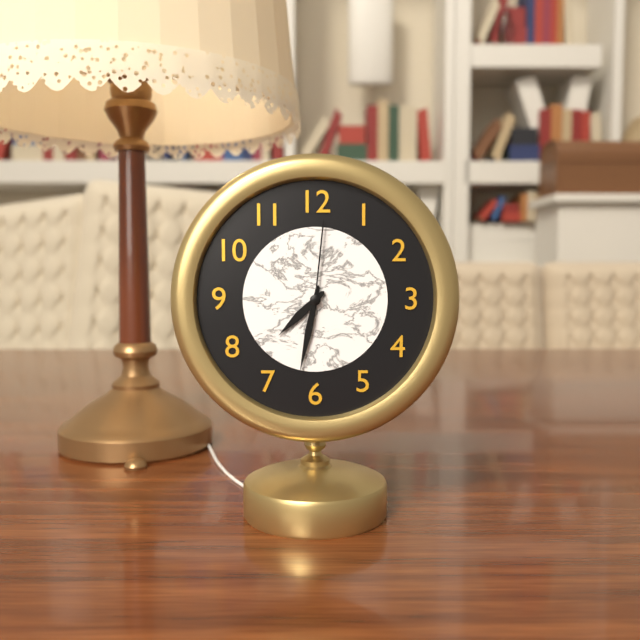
7:32:01
